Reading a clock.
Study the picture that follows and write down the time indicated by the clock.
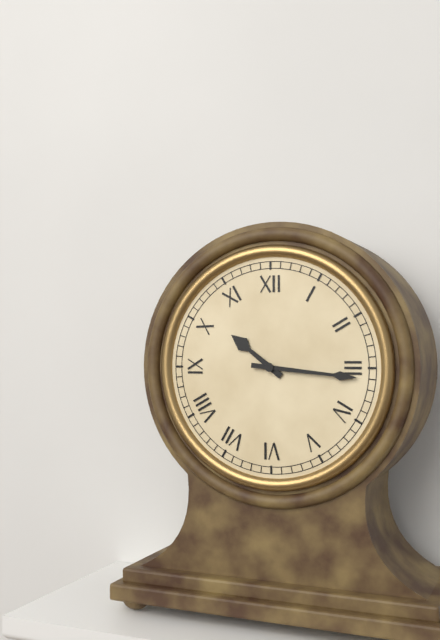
10:16
